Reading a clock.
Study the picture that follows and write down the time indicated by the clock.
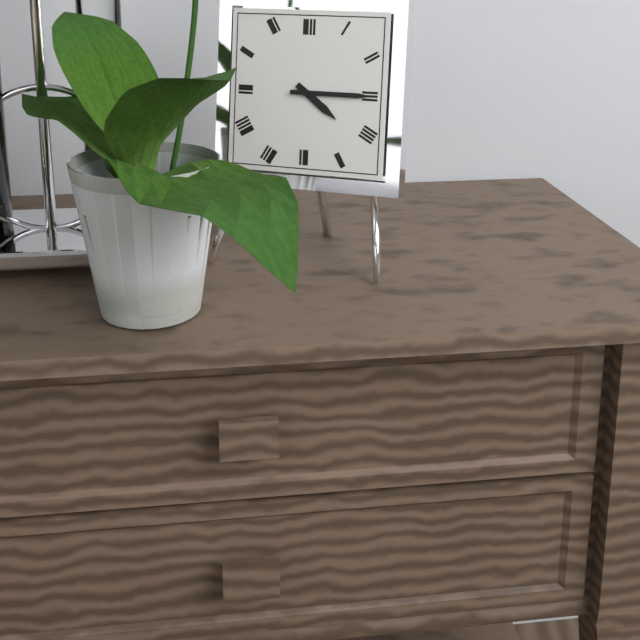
4:15
